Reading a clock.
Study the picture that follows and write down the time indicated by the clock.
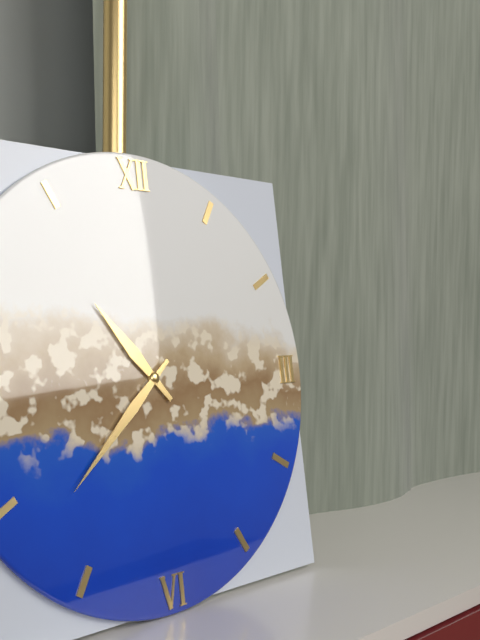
10:38
